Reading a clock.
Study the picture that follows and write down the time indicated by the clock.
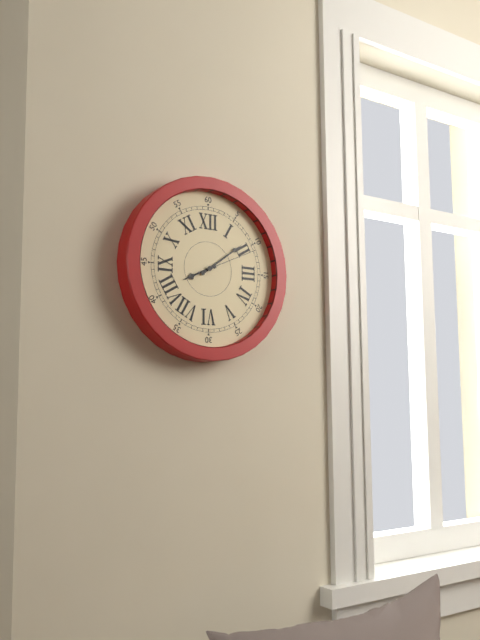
8:09:11
